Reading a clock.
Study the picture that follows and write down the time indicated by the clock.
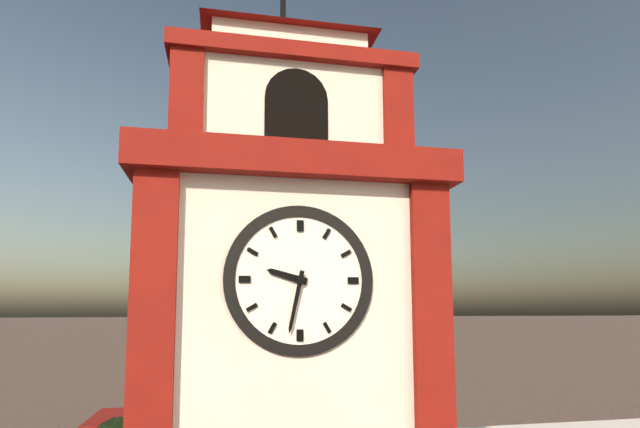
9:32
